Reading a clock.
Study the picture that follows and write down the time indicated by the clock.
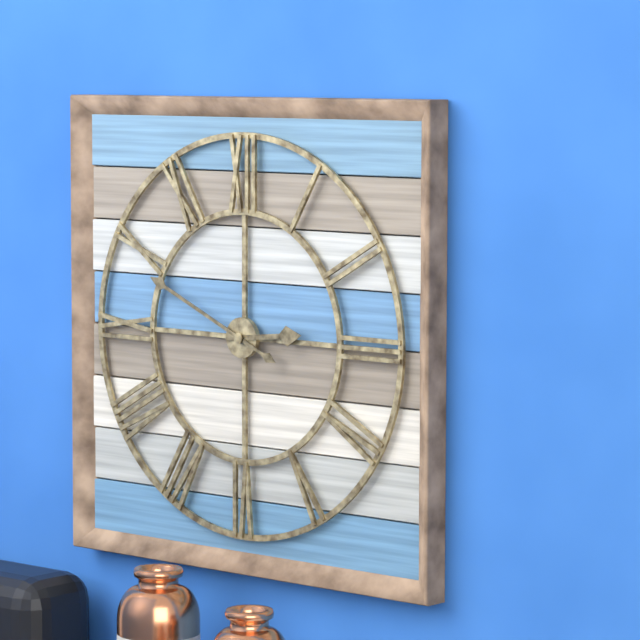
2:49
